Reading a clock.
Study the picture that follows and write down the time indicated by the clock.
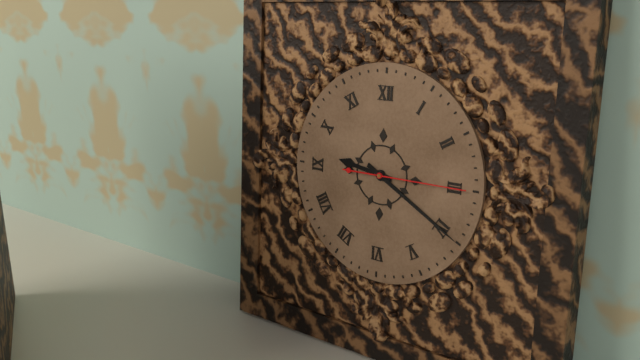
9:20:15
